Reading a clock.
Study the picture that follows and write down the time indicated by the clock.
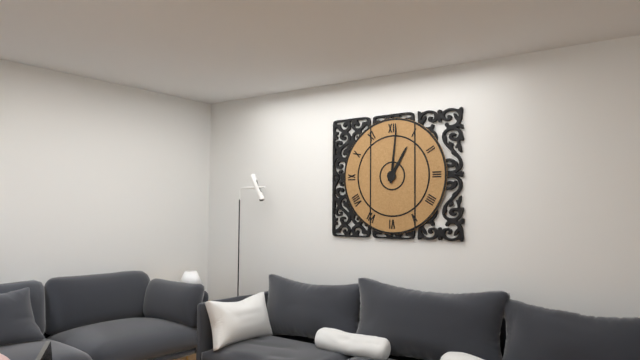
1:01
